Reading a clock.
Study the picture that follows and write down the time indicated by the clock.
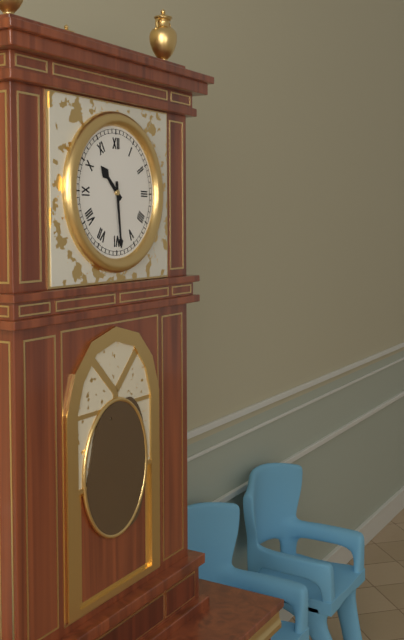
10:29
